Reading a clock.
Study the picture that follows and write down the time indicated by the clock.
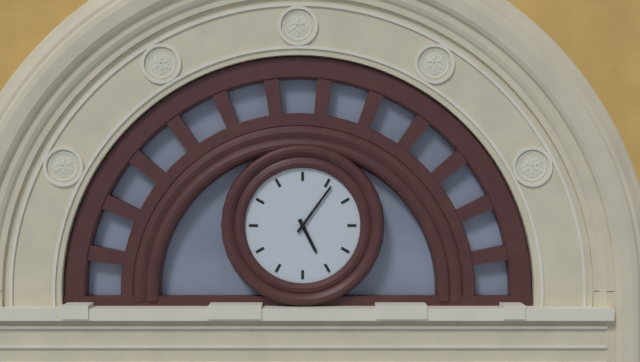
5:06
